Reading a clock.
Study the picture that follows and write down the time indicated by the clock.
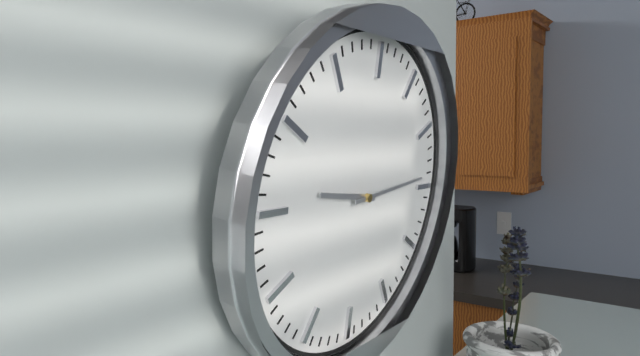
9:14
